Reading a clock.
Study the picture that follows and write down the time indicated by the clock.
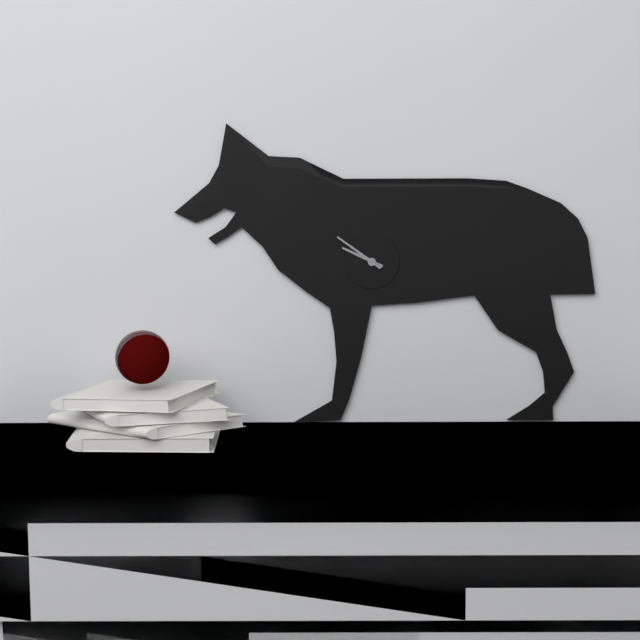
9:51
